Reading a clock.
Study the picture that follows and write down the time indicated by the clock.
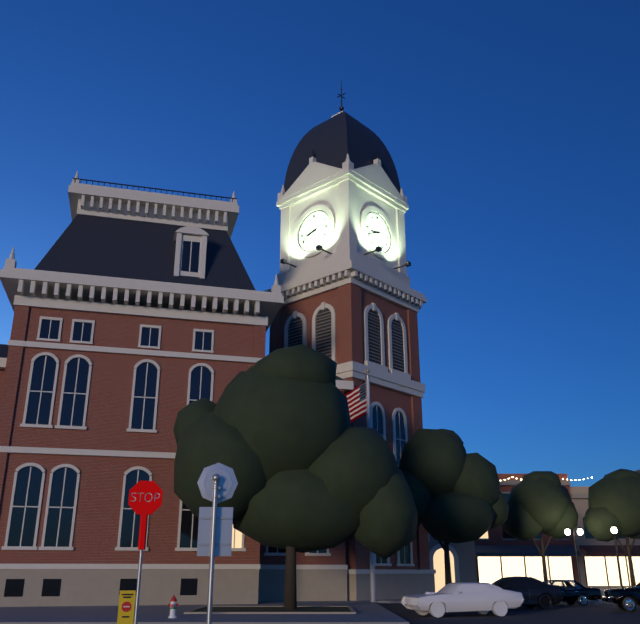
8:41
